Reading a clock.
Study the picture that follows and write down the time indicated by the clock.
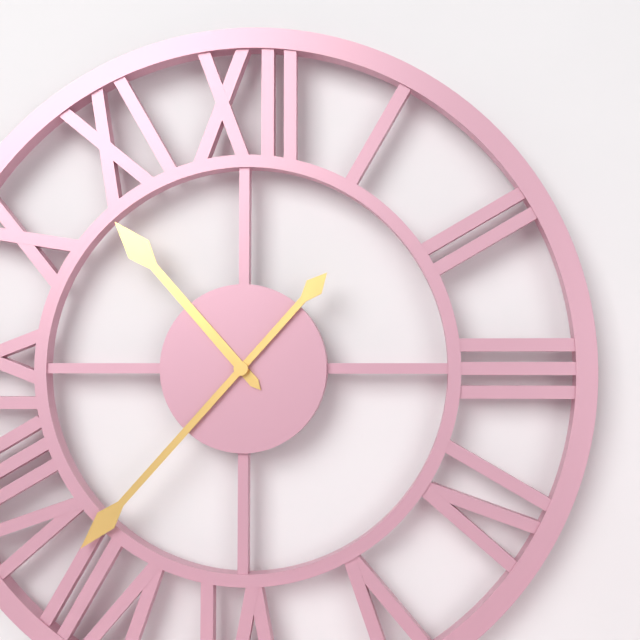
10:37
